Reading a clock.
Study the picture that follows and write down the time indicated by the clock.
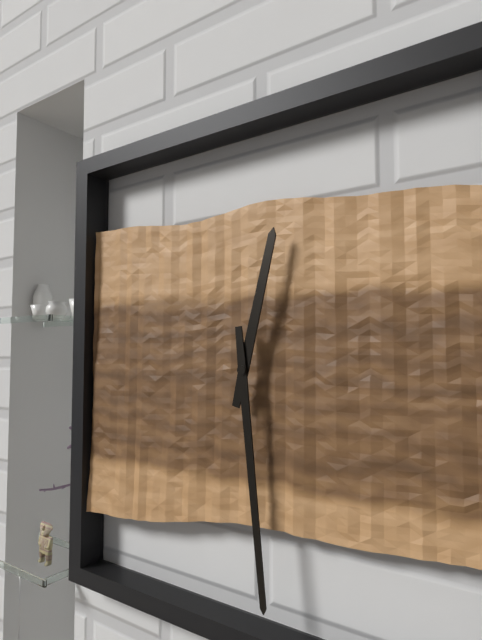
12:29
